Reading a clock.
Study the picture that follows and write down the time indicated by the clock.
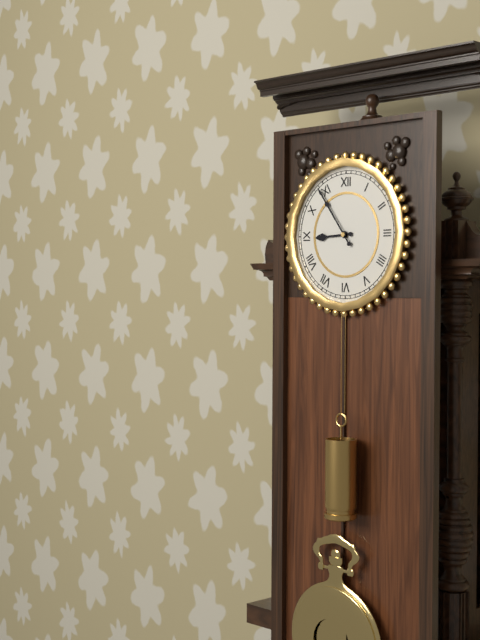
8:54
